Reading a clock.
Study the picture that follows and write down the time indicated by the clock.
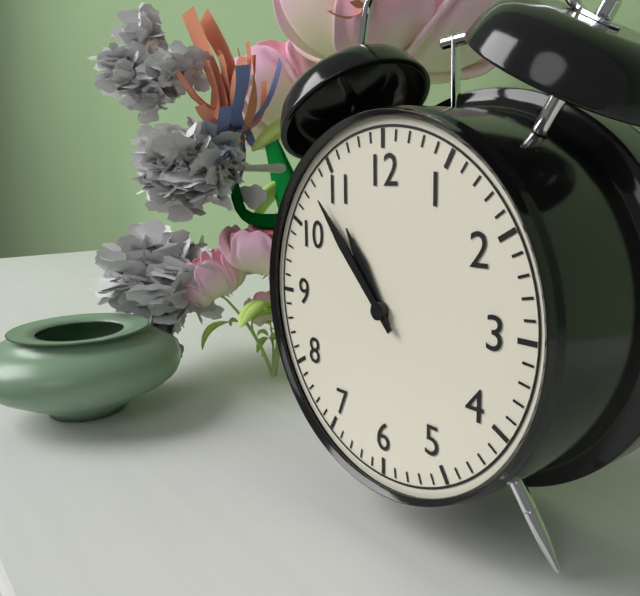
10:53
